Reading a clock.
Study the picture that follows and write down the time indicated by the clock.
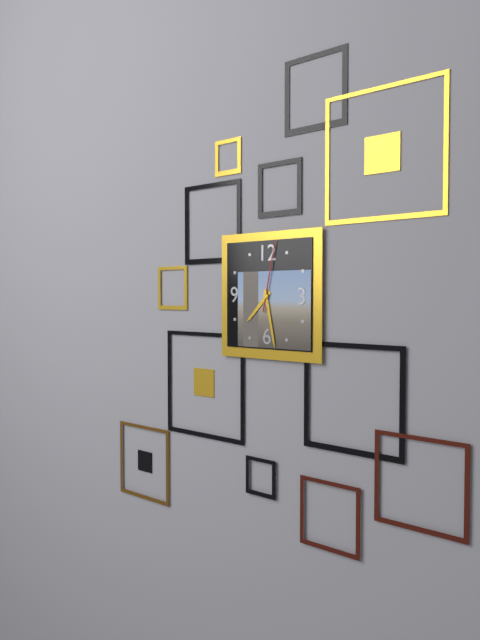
7:28:02
